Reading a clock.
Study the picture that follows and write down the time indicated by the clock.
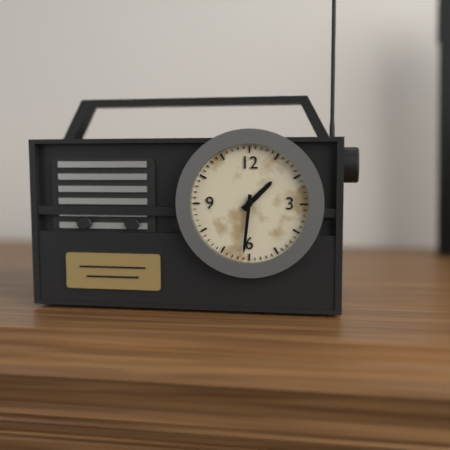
1:31
